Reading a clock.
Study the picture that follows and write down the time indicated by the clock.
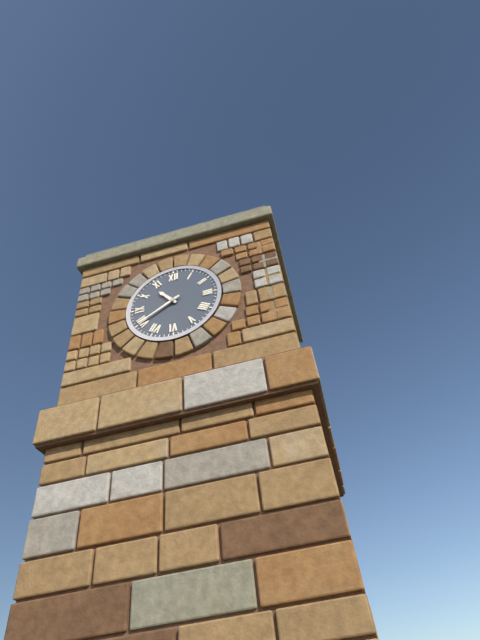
10:40
